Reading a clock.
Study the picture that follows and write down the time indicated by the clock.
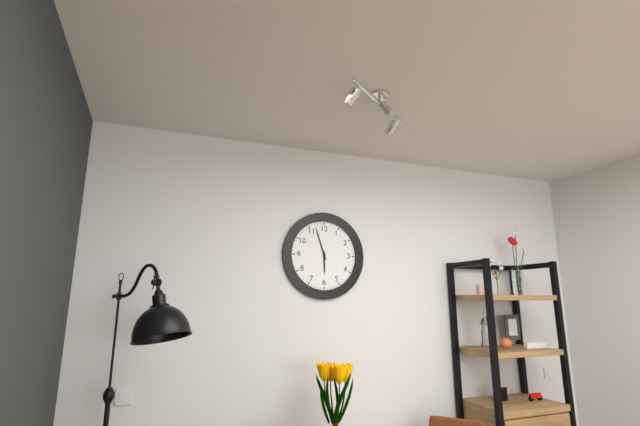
5:57
